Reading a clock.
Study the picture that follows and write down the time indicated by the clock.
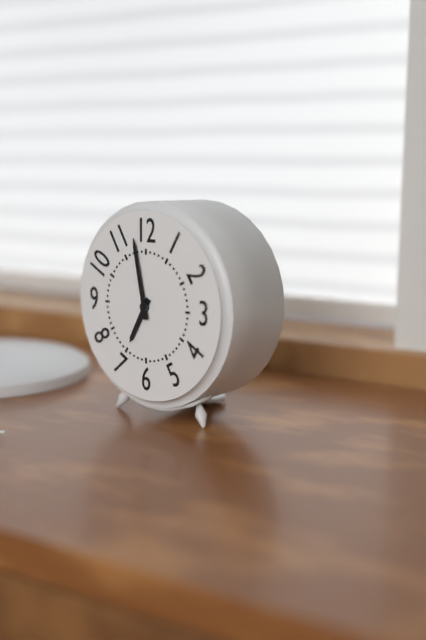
6:58
